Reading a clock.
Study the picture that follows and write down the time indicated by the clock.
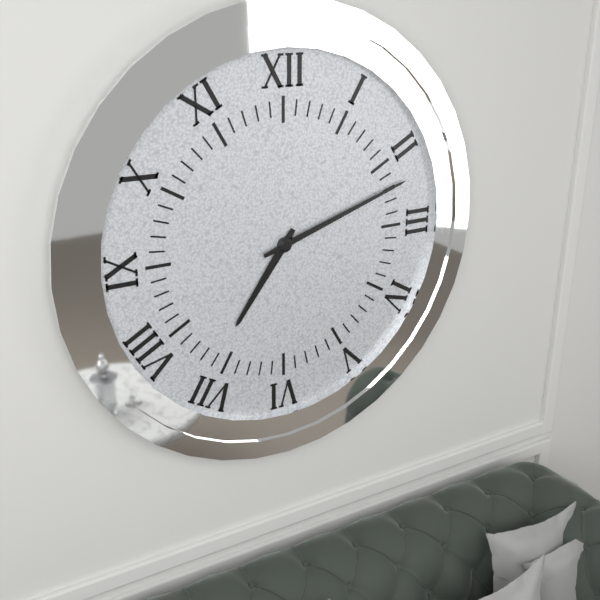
7:12
